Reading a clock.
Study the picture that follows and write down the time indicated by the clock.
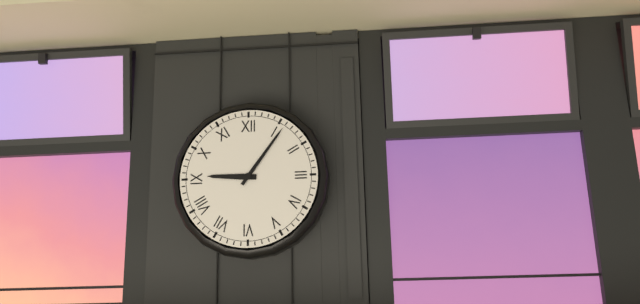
9:06
